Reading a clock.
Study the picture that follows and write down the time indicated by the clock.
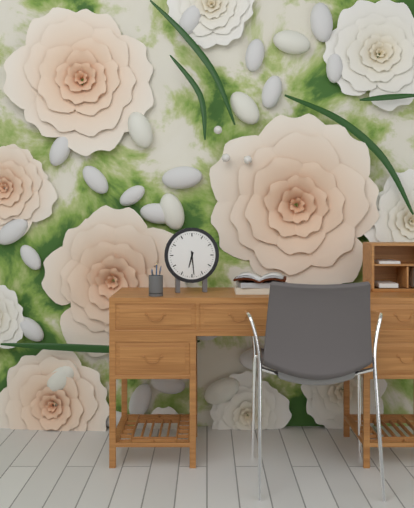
6:29
